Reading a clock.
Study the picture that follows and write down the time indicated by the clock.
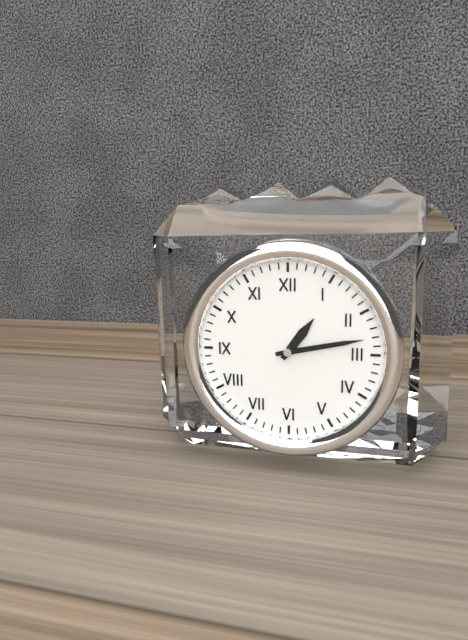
1:13
